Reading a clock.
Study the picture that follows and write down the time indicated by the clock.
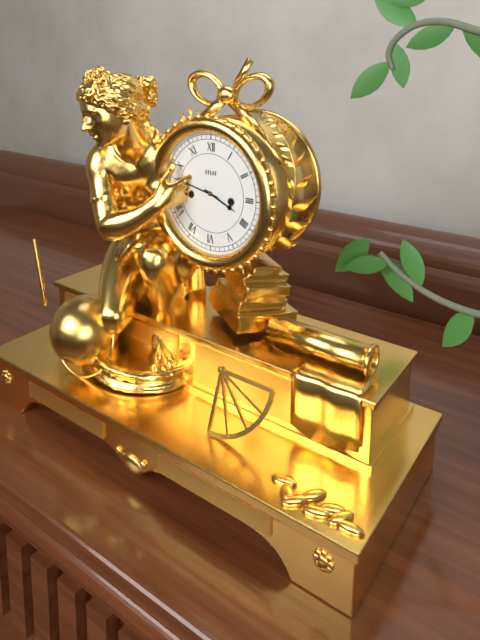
3:47
